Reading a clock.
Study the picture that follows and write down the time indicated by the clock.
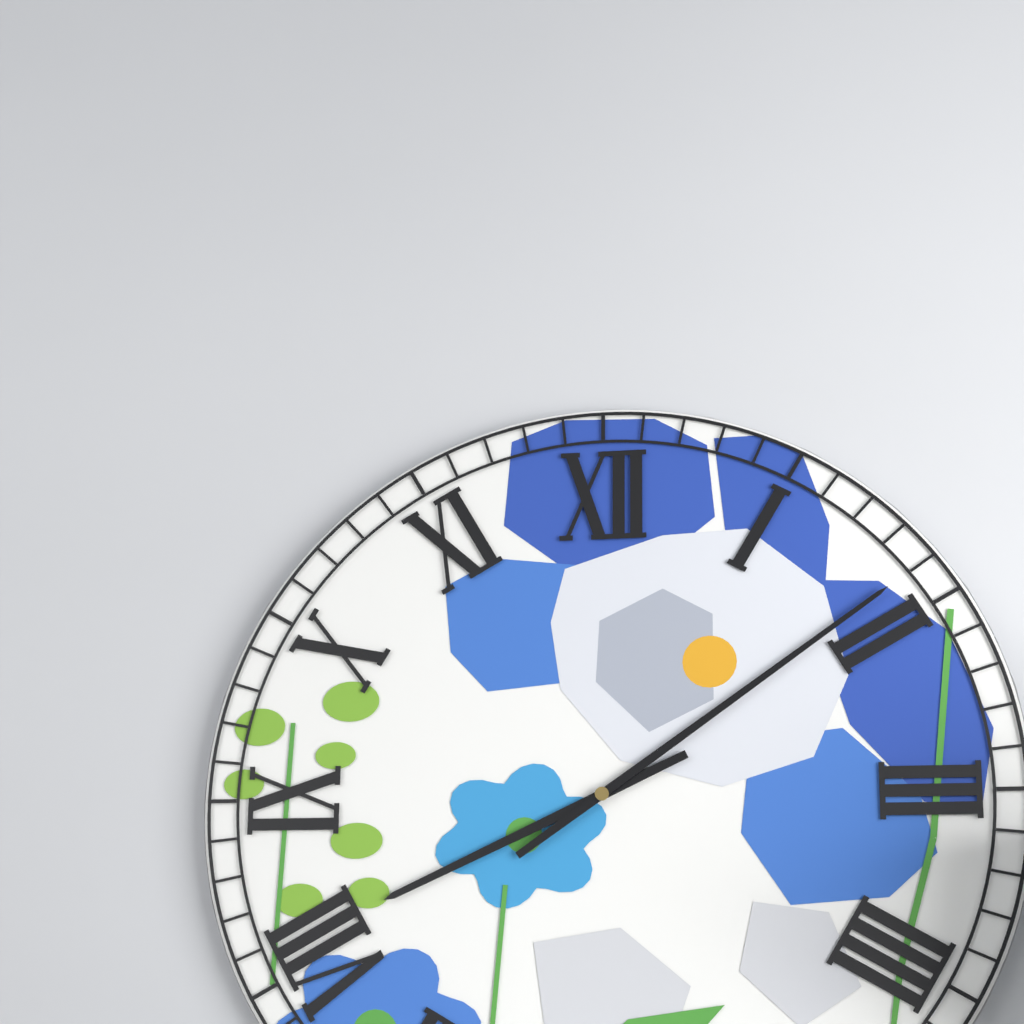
8:09
